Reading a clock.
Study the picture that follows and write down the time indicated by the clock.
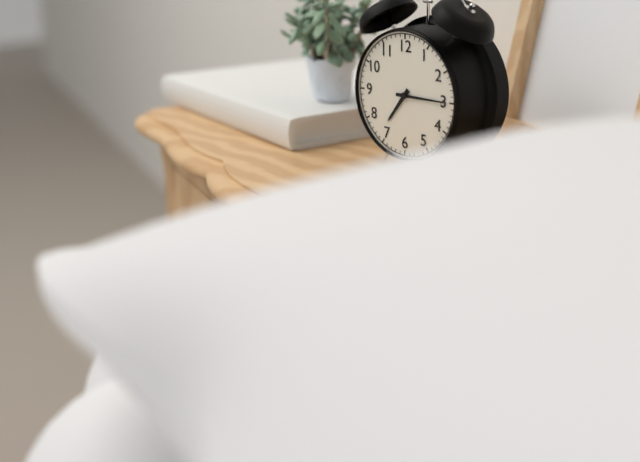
7:15
